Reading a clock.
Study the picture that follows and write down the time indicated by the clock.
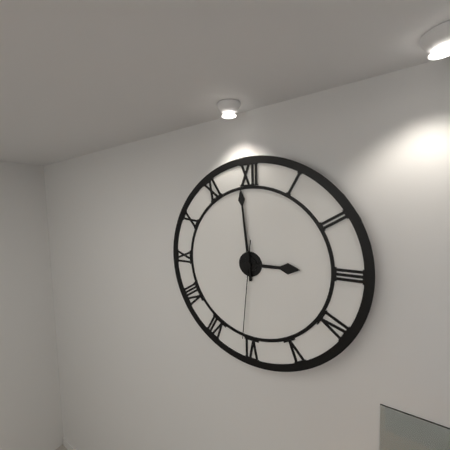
2:59:31
